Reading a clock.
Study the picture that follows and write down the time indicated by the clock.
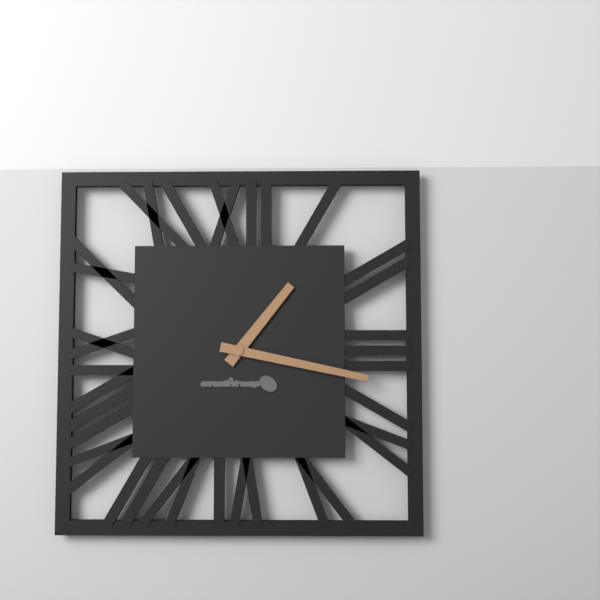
1:17
